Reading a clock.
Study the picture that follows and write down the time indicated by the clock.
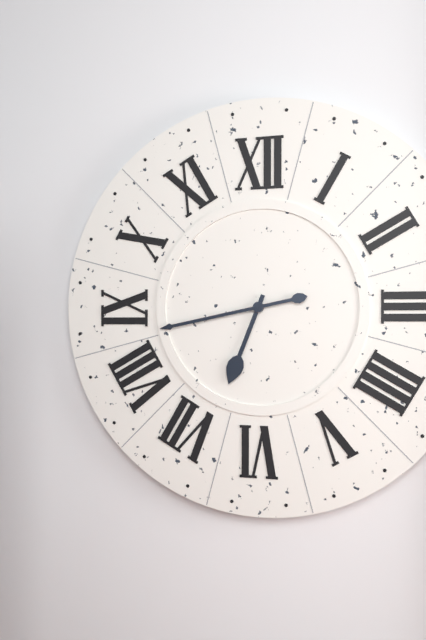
6:43
